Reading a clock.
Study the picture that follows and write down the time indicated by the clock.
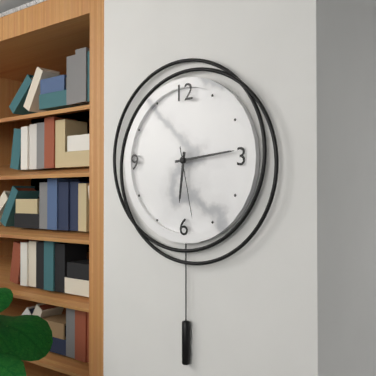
6:14:28
